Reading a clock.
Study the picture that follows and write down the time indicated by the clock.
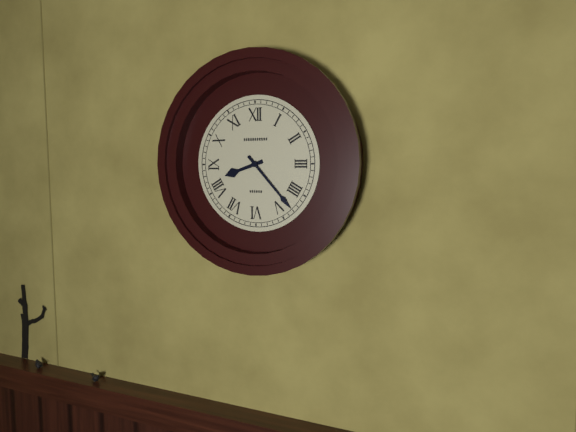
8:23
